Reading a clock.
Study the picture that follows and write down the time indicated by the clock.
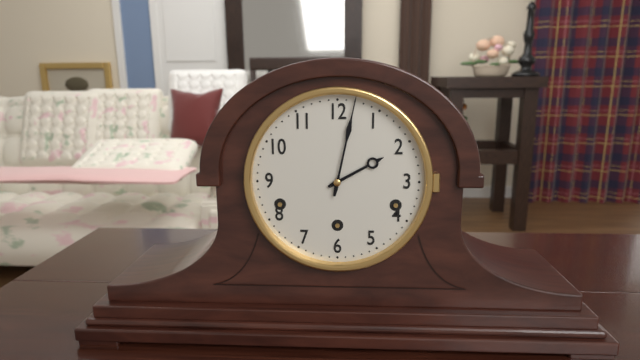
2:02
